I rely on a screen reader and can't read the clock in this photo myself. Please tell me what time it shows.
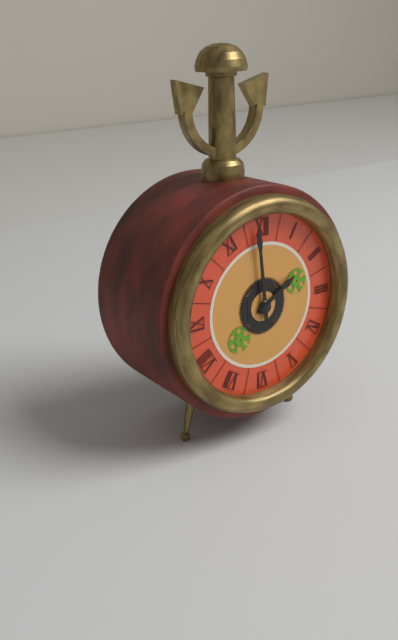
1:59
